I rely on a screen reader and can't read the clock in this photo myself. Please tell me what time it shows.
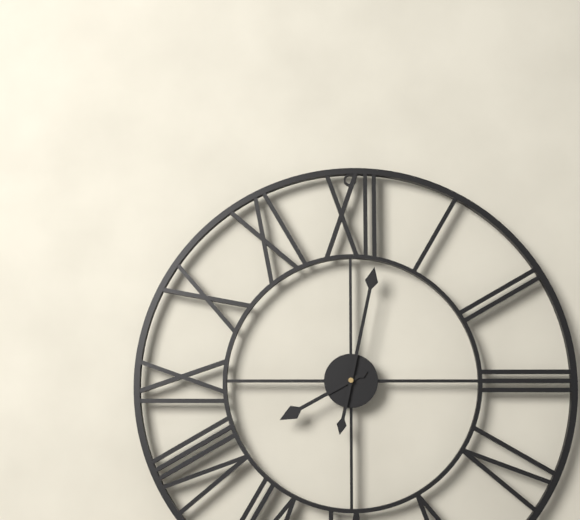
8:02
